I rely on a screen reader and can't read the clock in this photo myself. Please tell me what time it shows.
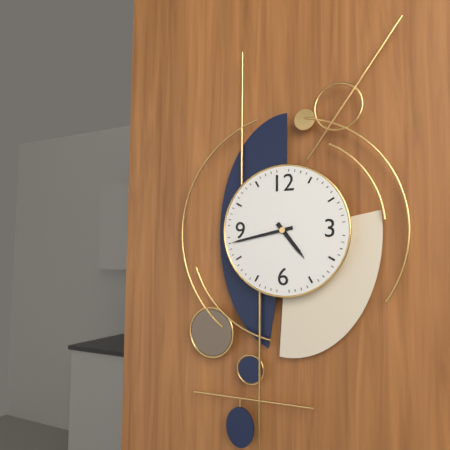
4:43
